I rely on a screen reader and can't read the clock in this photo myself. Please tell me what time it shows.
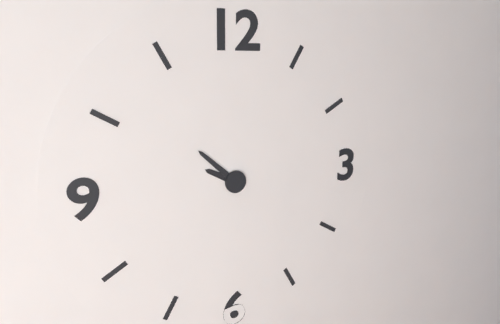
9:52
